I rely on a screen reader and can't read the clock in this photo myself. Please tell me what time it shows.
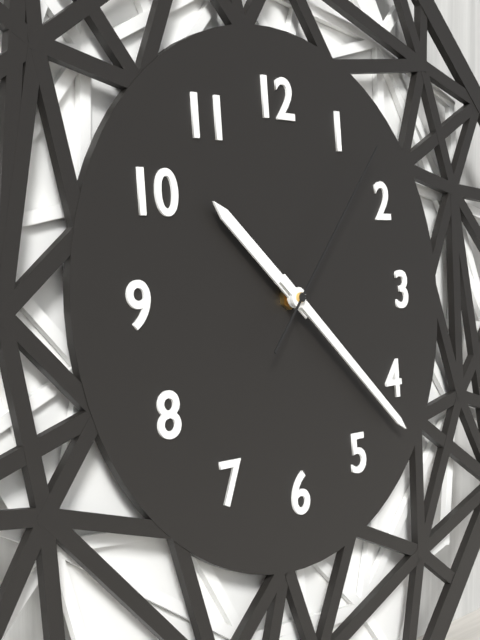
10:22:07
